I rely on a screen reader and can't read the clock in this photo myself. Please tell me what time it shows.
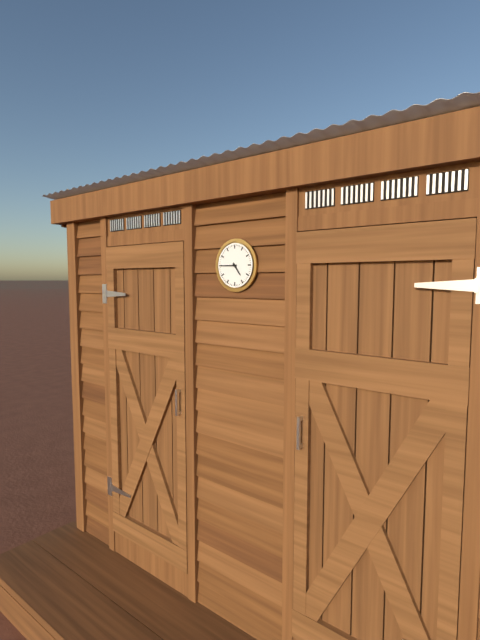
4:45
